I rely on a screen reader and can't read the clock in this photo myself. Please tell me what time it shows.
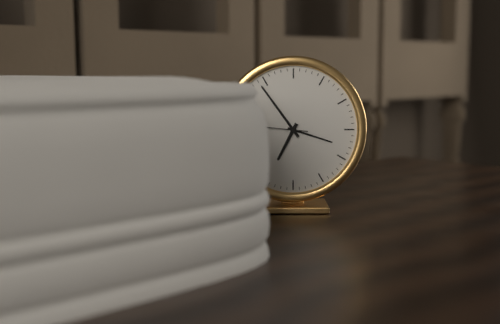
6:54
